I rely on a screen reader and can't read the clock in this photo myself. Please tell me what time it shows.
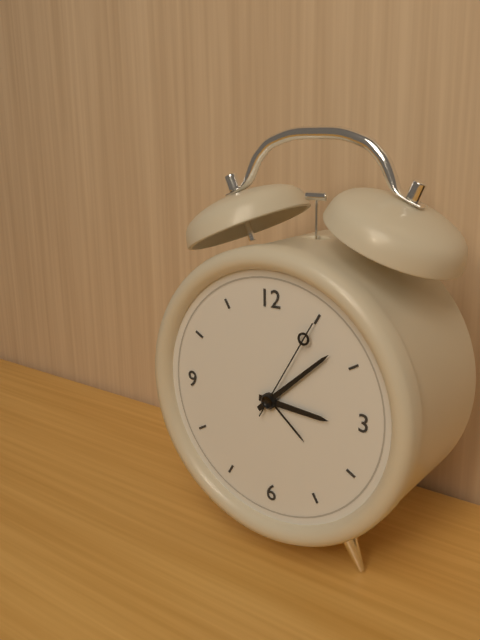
3:08:05
